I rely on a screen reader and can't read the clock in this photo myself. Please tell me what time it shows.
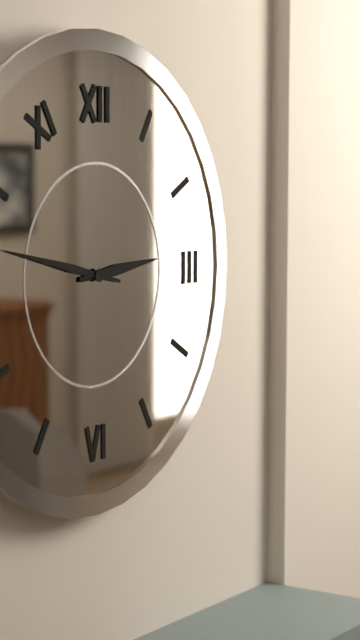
2:47
